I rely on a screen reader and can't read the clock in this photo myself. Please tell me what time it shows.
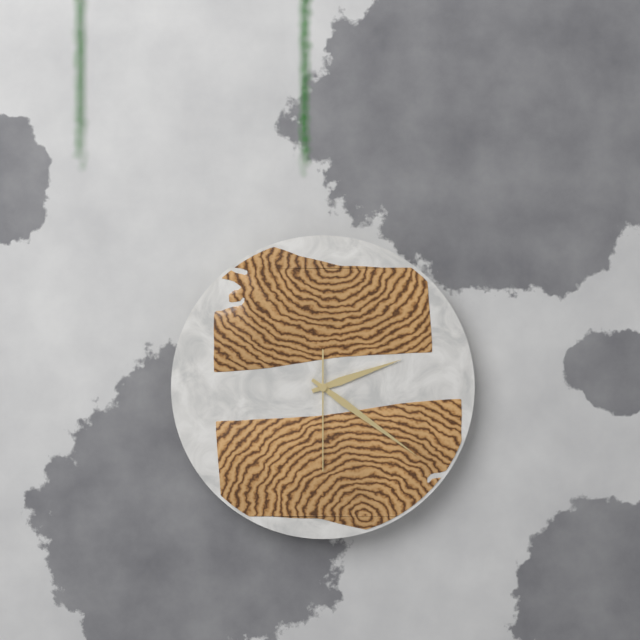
2:21:30
